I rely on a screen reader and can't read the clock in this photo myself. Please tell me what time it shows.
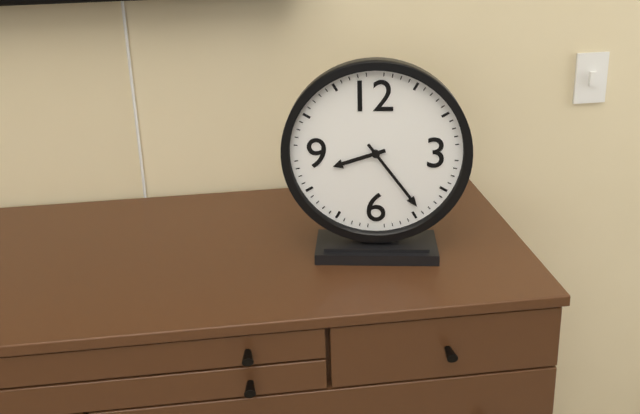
8:24
